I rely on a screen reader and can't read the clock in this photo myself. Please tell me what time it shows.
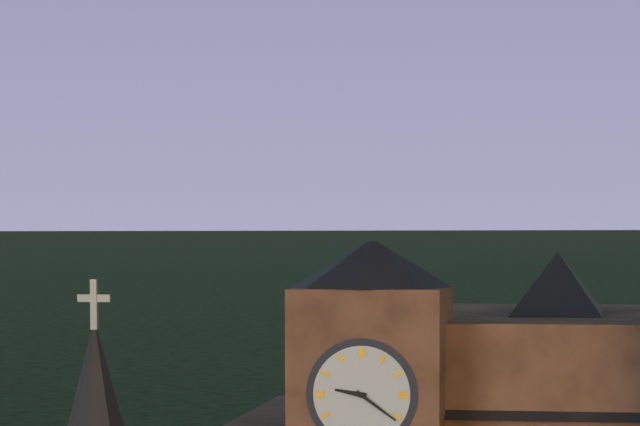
9:21
